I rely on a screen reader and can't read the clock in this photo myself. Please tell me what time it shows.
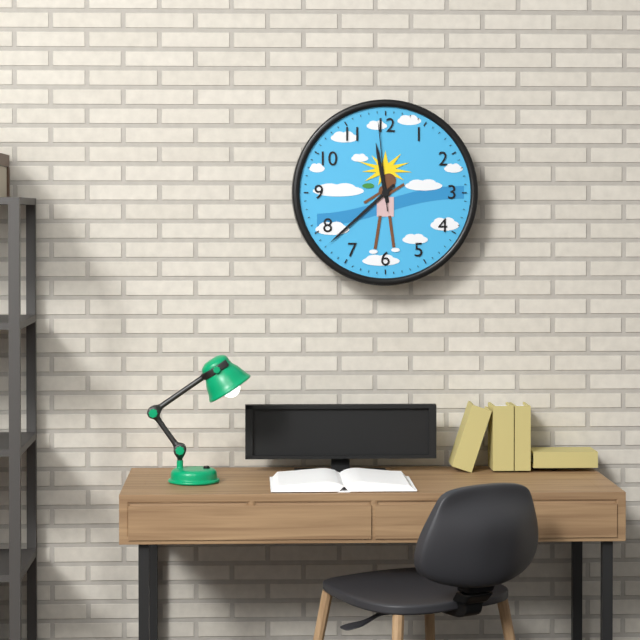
11:38:59
